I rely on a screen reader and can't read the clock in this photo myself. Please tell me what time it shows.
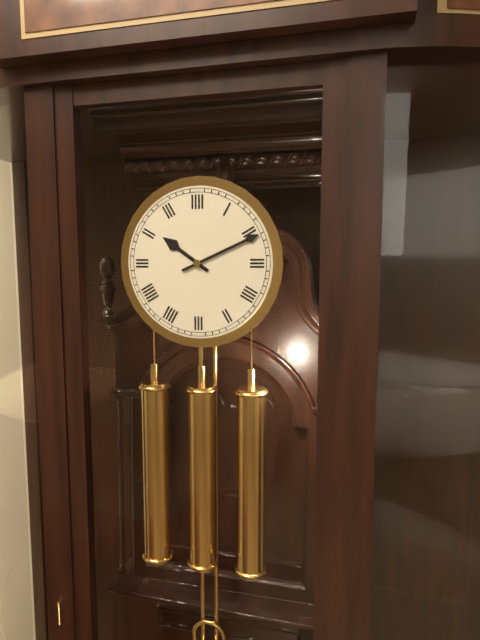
10:11
